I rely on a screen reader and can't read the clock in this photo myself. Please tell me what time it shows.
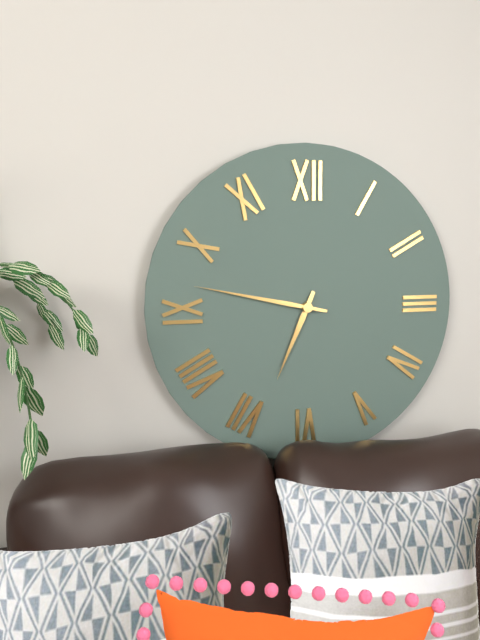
6:47
